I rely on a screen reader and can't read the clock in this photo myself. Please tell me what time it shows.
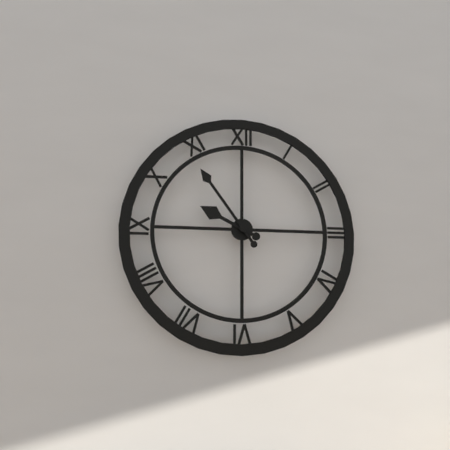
9:54
